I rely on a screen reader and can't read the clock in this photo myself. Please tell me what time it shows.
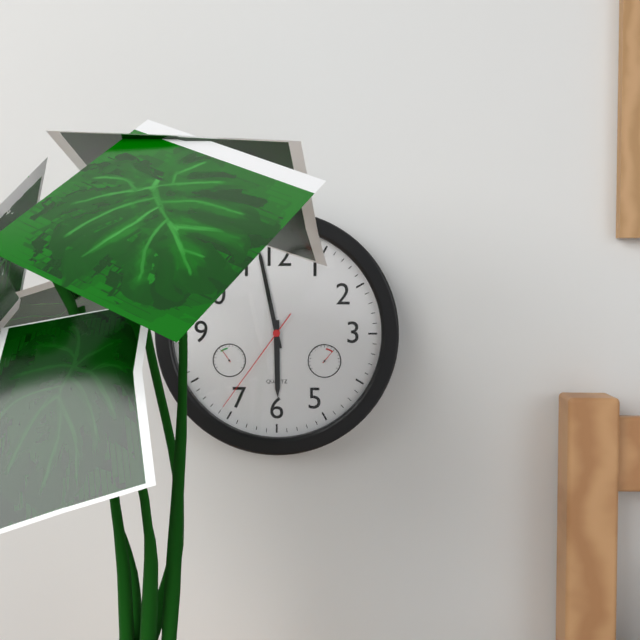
5:58:36
